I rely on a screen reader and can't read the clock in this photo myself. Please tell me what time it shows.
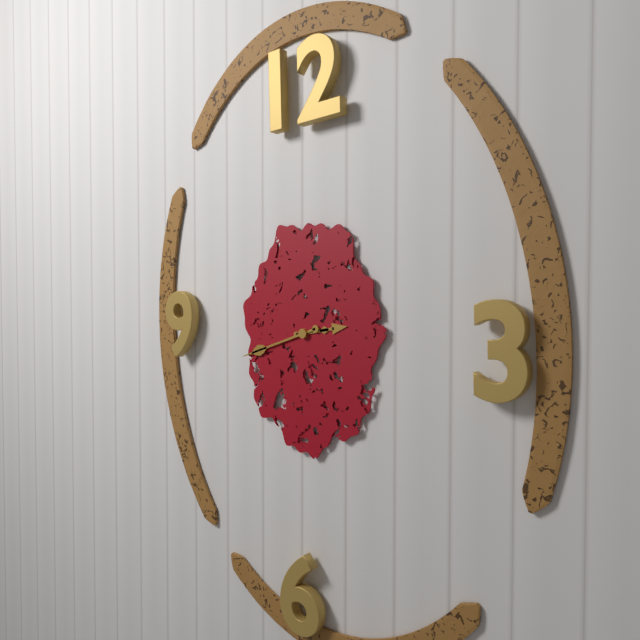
2:42
